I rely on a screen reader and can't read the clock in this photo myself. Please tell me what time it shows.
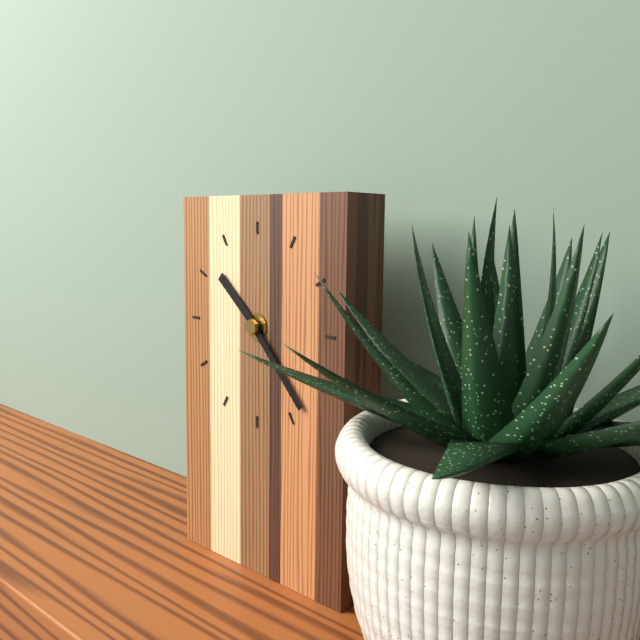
10:23
